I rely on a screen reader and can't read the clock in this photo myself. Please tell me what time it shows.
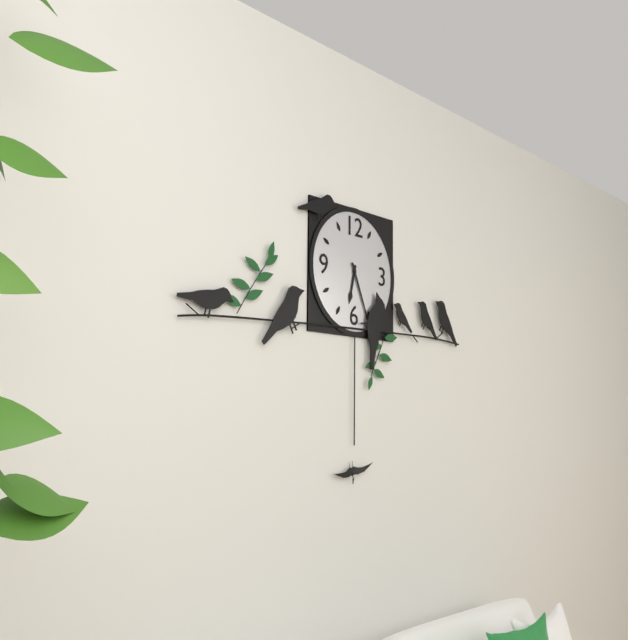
6:26
